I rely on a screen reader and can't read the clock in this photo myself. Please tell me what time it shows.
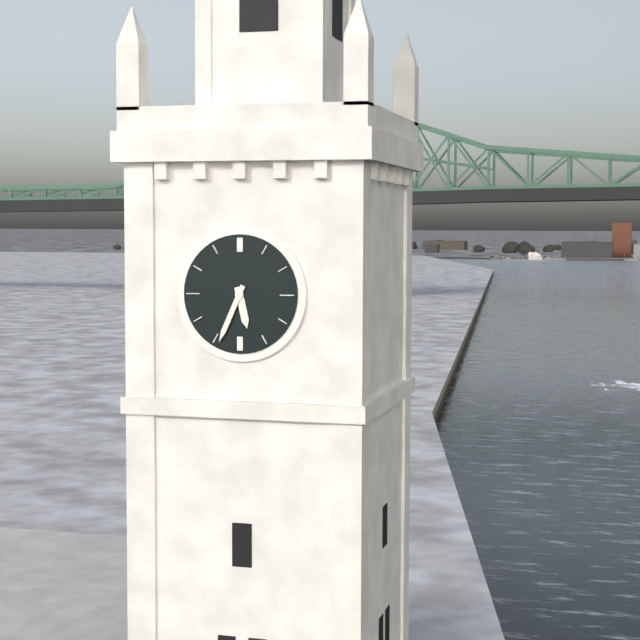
5:34
